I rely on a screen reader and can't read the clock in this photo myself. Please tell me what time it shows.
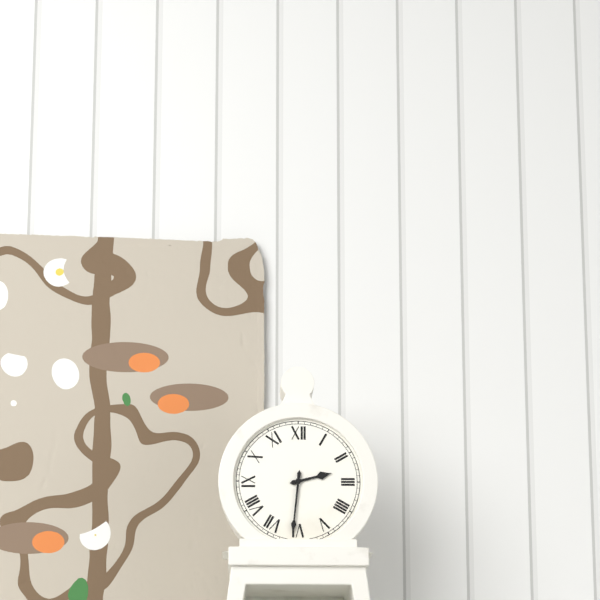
2:31
